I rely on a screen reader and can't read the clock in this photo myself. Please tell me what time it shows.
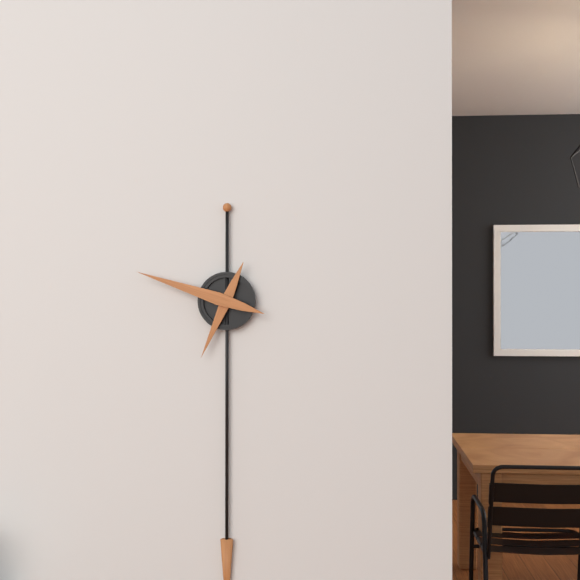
6:48
